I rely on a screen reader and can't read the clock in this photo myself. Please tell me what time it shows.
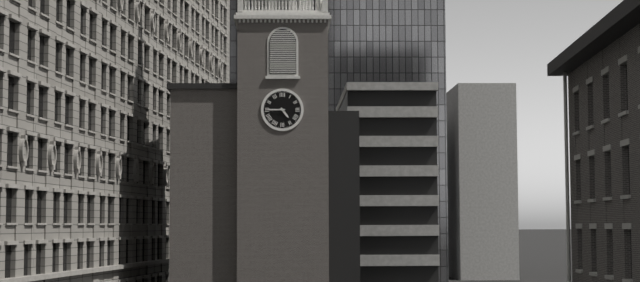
4:45
